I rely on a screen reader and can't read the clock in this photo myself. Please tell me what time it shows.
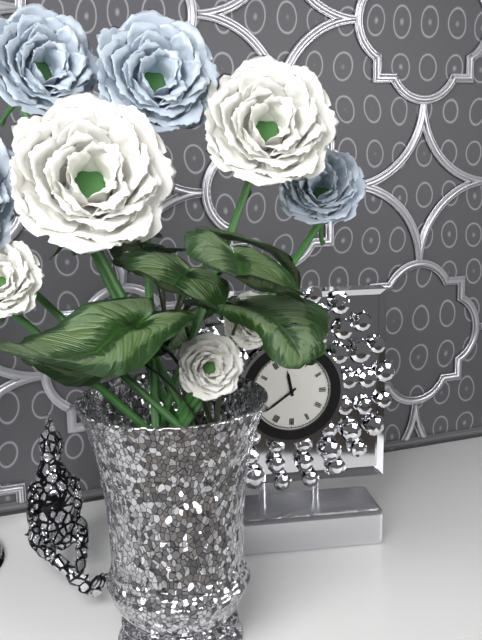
11:39
